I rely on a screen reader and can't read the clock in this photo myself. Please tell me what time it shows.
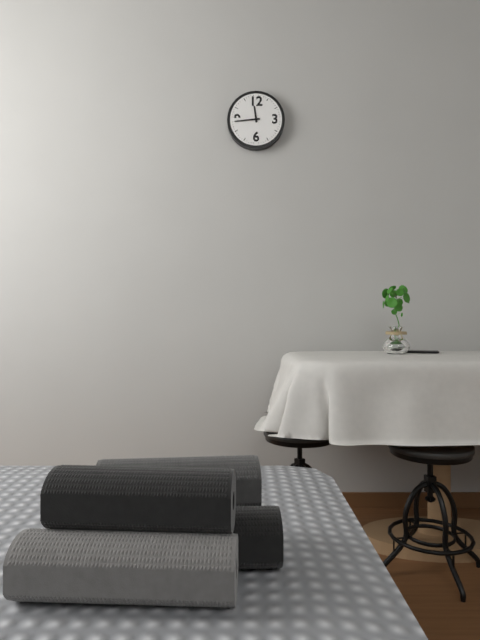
11:44
